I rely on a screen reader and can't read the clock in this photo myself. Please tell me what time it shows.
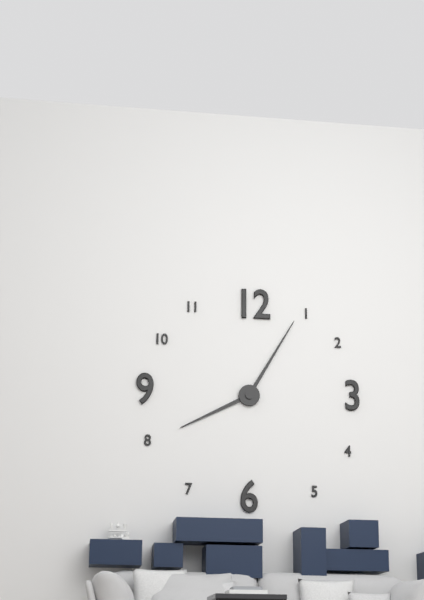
8:05
